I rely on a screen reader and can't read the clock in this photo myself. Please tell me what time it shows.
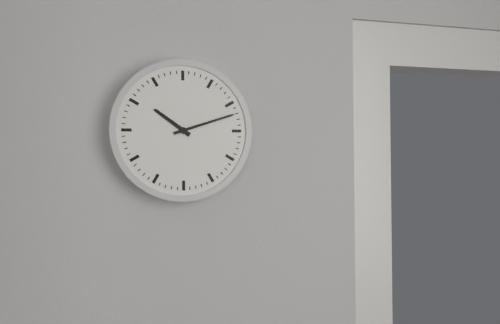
10:12
